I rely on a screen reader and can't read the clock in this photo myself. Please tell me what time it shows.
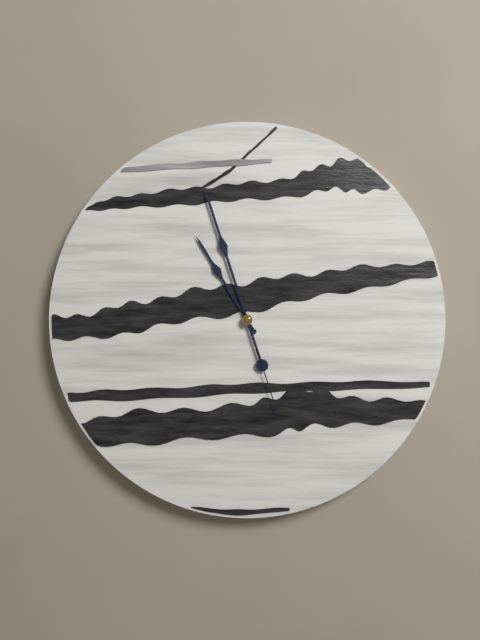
10:57:27
